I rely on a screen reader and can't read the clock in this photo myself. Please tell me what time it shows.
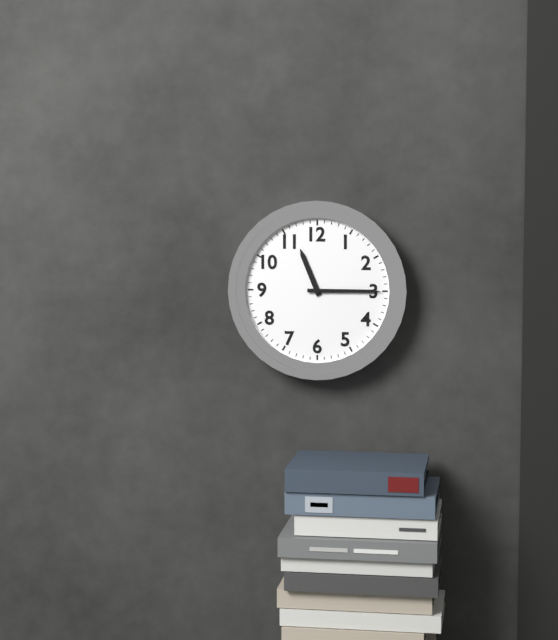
11:15
